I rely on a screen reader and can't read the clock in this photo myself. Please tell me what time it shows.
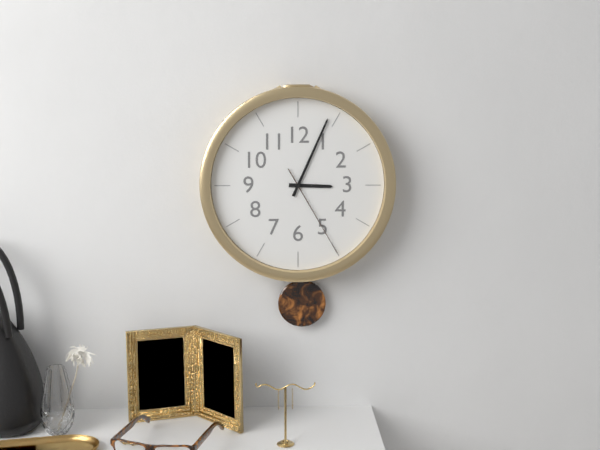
3:04:25
